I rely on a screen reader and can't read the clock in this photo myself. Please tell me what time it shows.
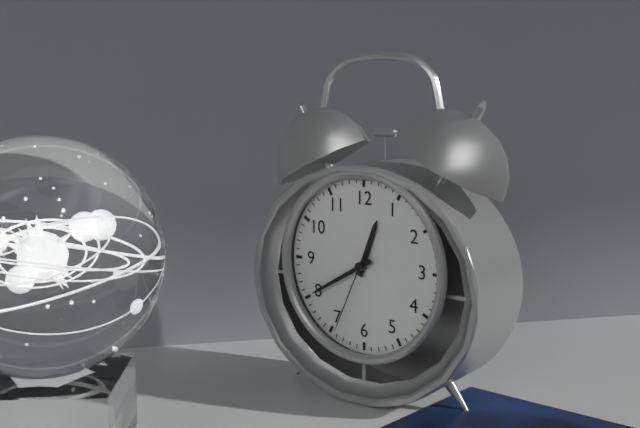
12:40:34
